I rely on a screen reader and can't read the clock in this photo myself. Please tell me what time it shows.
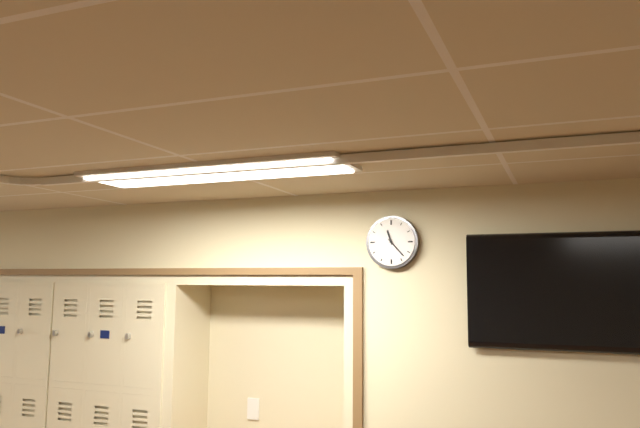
11:23
